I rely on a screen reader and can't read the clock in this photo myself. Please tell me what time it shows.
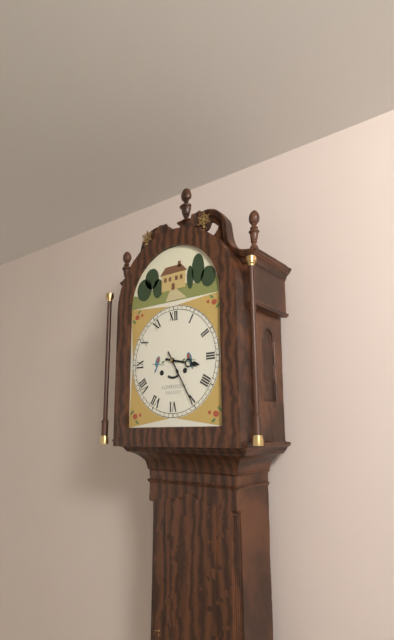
3:25
